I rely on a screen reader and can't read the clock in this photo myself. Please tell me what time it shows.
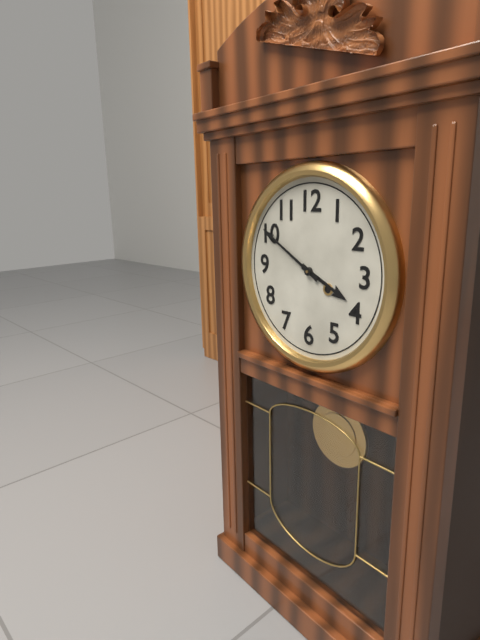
3:50
